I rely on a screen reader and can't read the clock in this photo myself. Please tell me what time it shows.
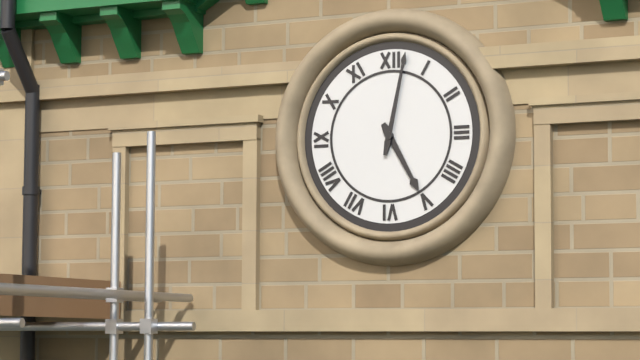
5:02
